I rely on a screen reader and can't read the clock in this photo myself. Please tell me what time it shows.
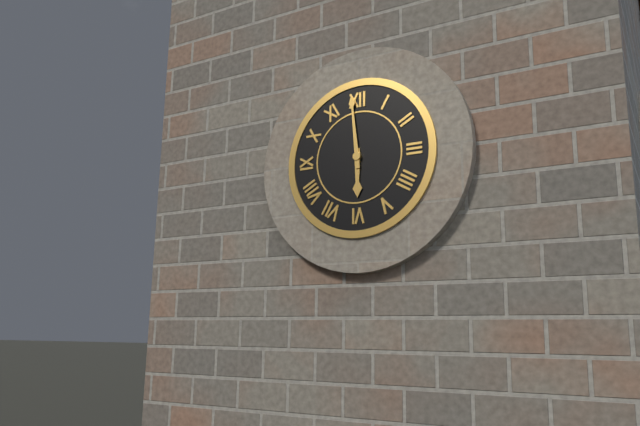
5:59
